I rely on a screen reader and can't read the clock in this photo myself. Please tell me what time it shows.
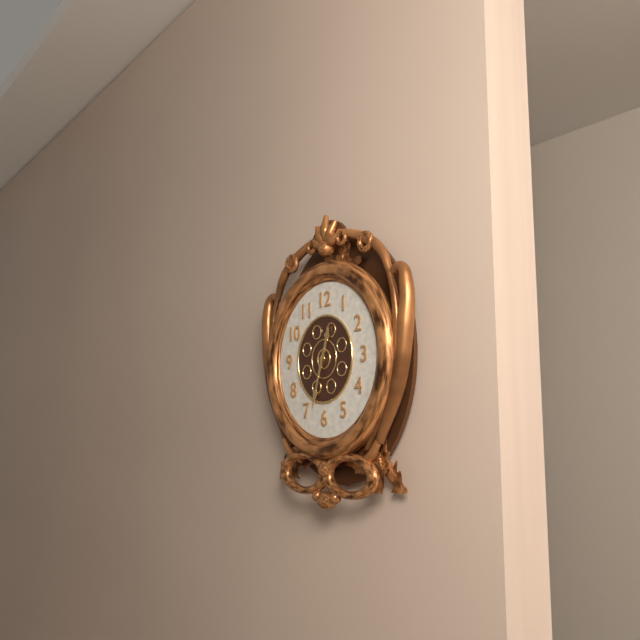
12:33
